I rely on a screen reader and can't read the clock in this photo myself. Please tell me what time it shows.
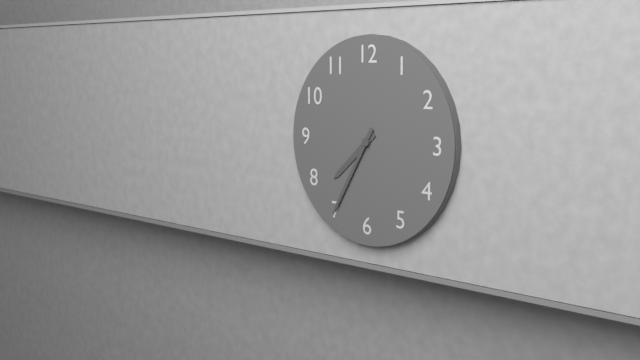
7:35
